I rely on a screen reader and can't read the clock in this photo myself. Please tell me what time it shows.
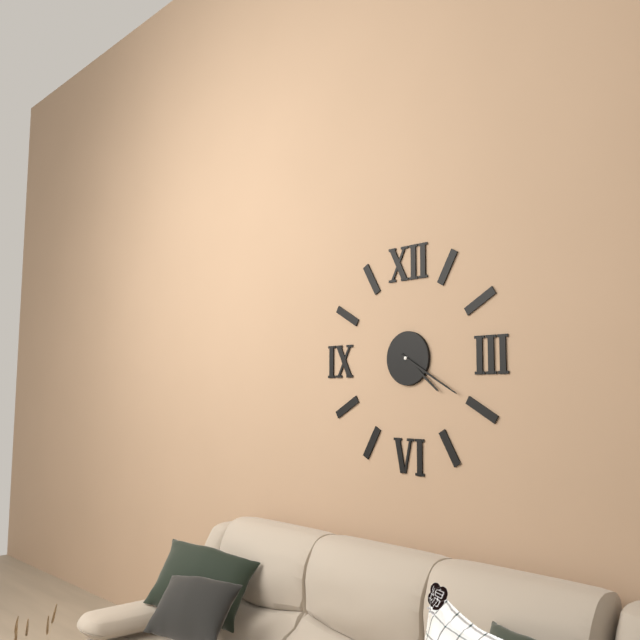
4:20
